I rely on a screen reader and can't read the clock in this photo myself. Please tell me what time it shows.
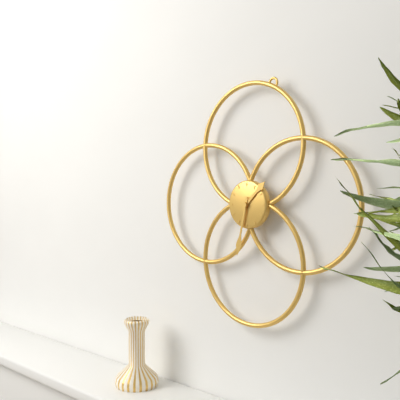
1:32
